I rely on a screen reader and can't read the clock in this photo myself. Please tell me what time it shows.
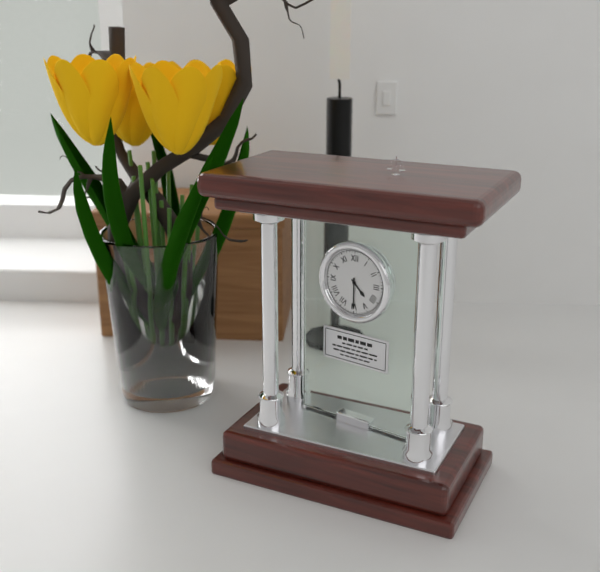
4:30
